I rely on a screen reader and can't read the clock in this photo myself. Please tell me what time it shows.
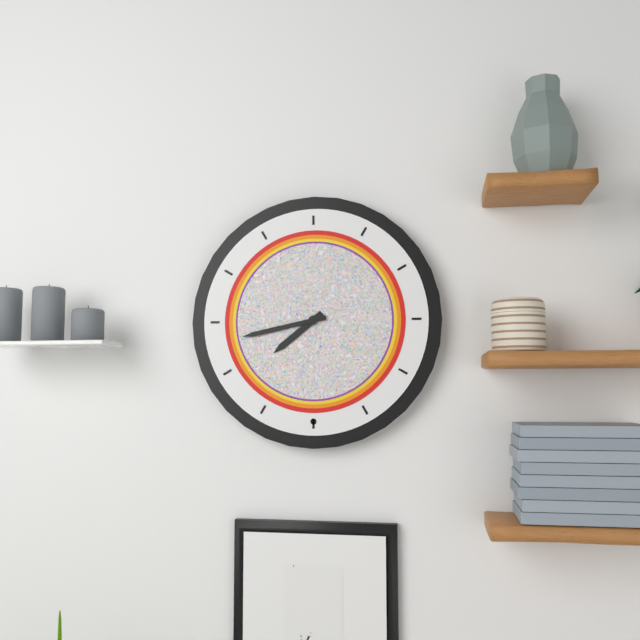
7:43
